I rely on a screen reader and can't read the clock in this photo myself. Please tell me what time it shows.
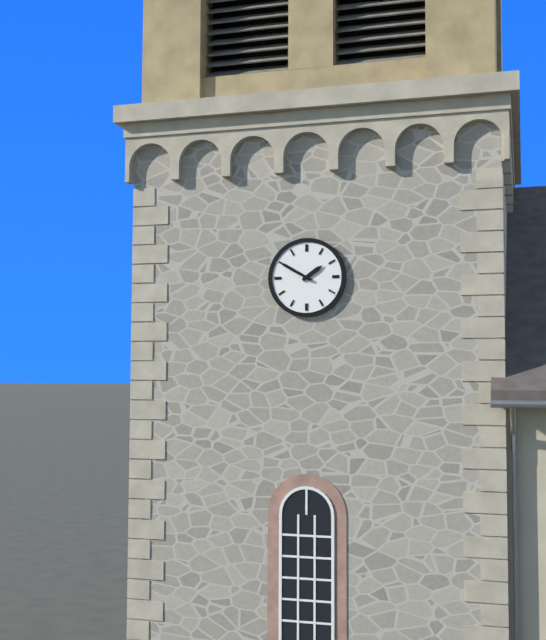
1:50
